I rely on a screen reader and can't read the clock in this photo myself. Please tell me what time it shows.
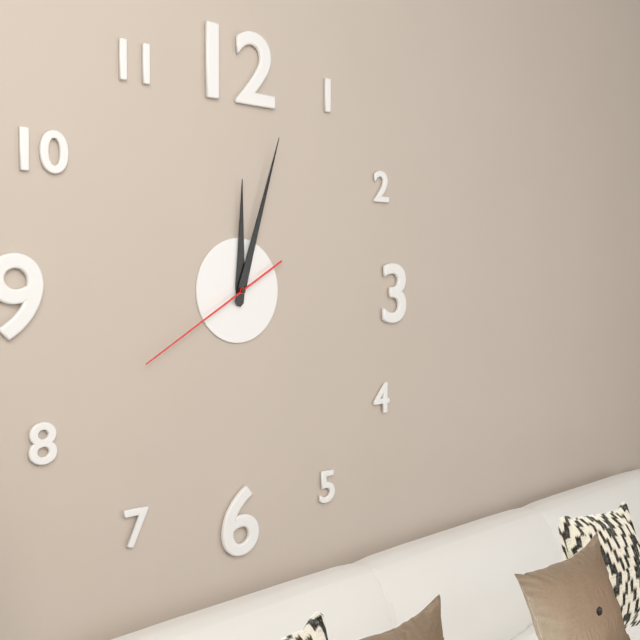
12:03:40
